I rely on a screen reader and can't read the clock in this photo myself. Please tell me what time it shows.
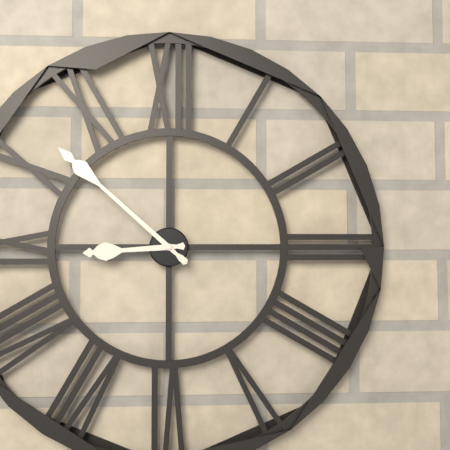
8:52
